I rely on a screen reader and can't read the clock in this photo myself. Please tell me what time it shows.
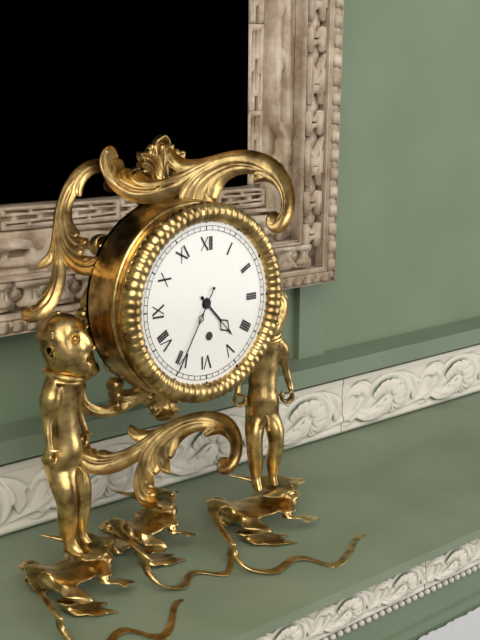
4:35
